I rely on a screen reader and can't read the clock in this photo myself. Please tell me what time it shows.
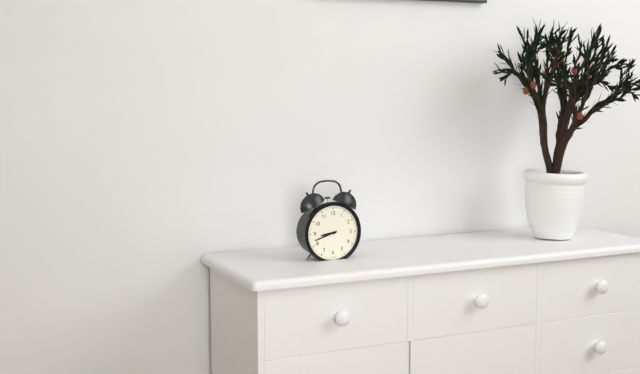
8:42
